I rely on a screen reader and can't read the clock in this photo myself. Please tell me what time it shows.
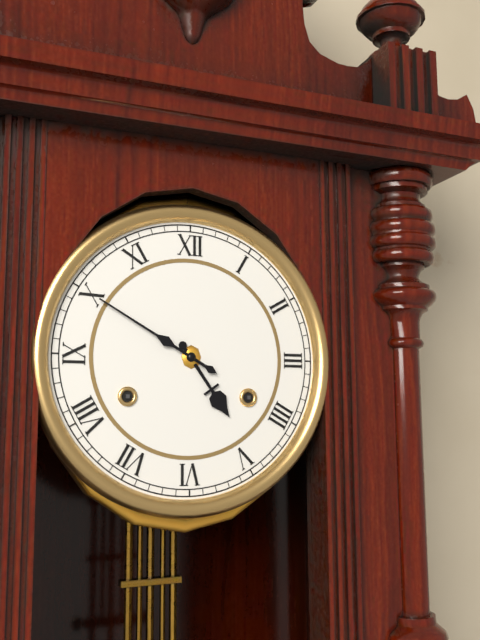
4:50
